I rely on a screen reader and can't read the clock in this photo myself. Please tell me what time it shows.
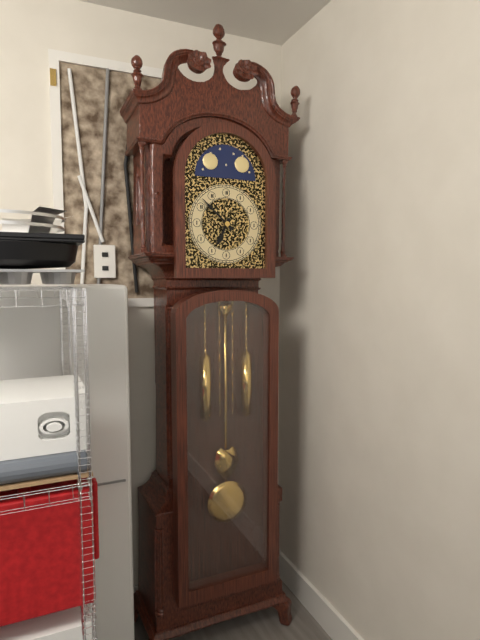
6:52
